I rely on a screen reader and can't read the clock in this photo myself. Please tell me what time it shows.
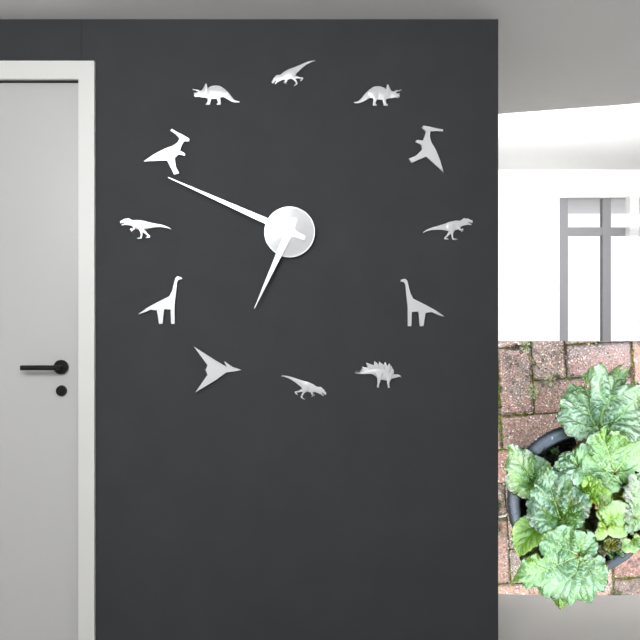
6:49
